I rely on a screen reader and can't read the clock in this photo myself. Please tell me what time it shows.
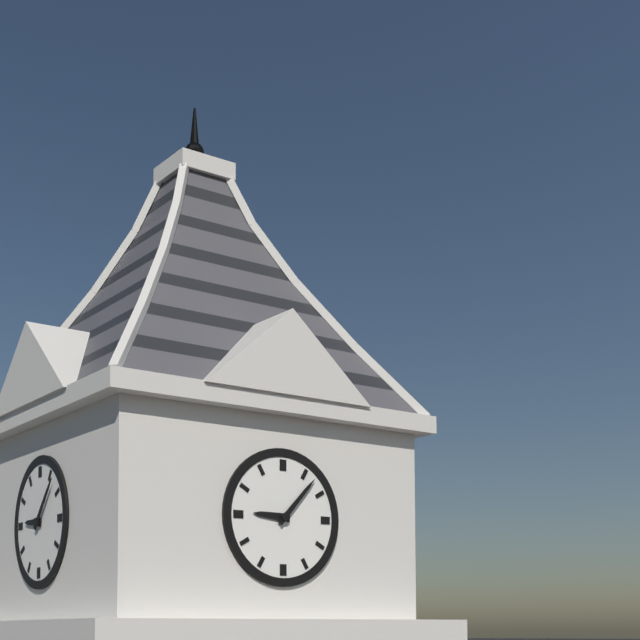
9:07
